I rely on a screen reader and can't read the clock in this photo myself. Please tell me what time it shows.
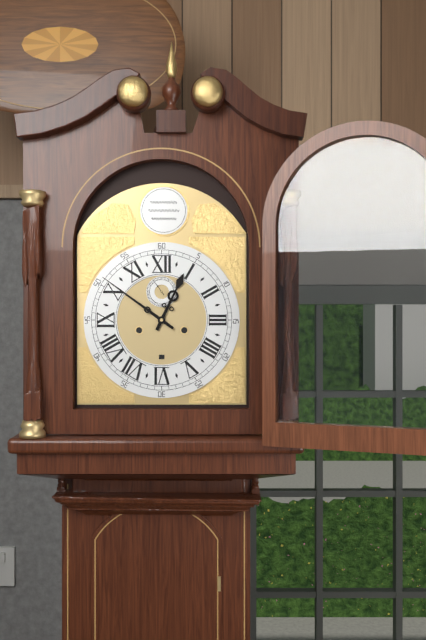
12:51
